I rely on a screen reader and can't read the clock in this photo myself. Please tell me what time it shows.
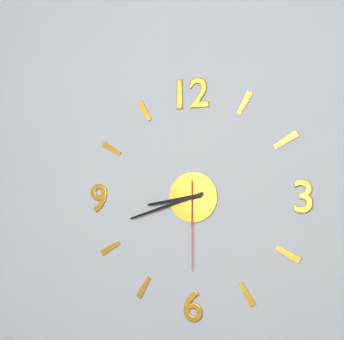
8:42:30
